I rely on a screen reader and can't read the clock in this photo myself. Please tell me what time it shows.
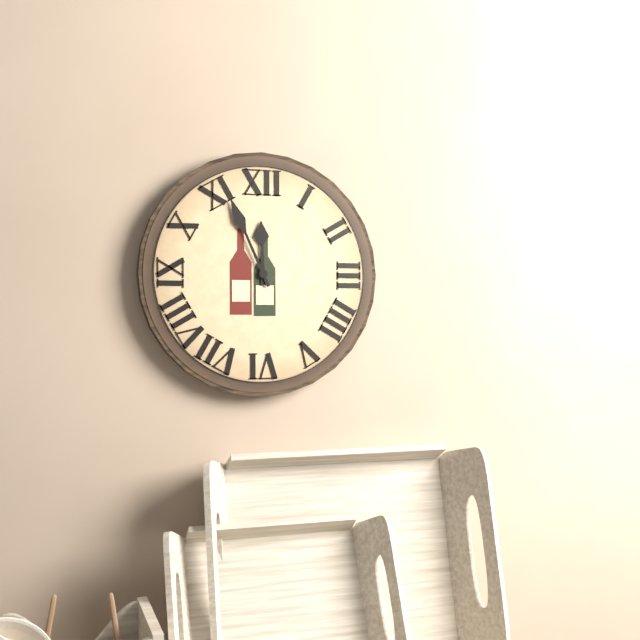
11:56
